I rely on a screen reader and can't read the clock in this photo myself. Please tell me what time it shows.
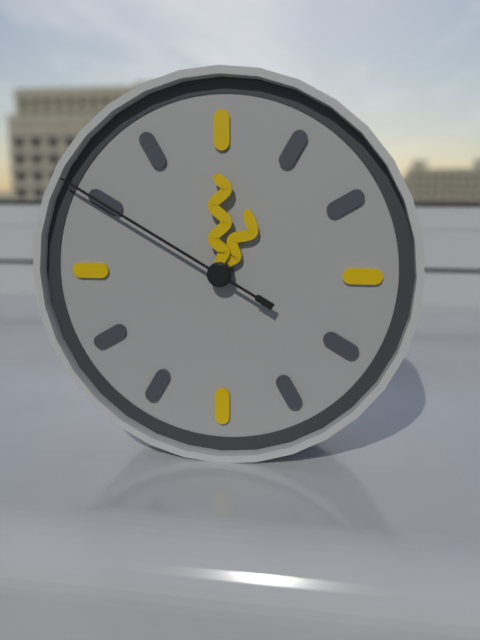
1:00:50
